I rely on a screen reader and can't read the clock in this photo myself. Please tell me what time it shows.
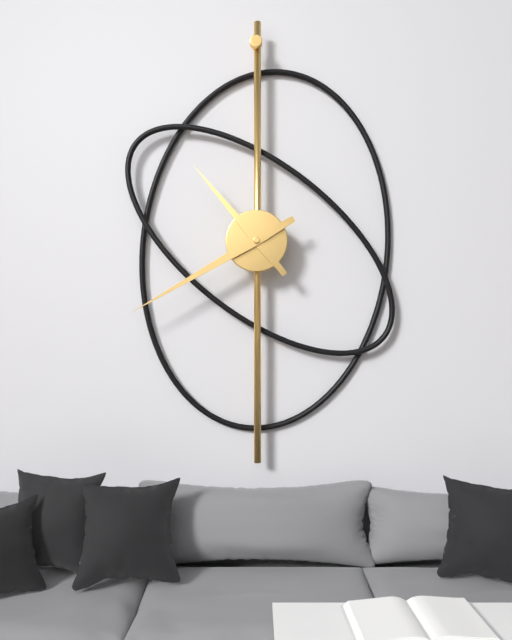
10:40
